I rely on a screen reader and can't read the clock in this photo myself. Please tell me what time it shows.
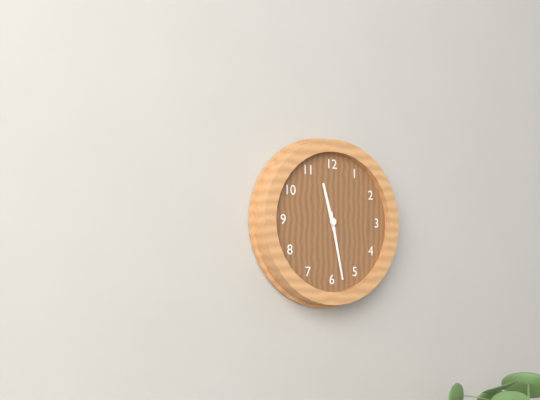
11:28
